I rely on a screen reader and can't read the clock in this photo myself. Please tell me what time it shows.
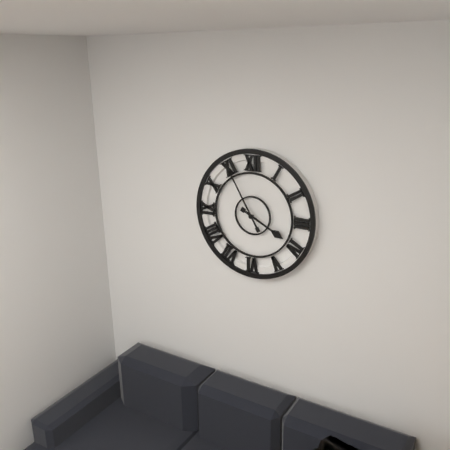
3:55
